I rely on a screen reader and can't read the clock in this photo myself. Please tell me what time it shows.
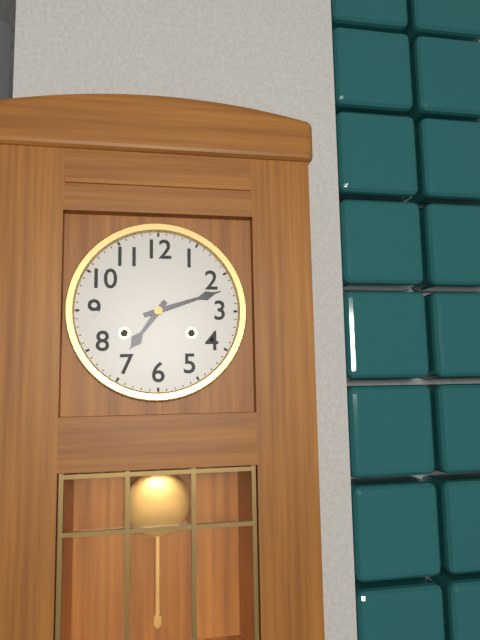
7:12
